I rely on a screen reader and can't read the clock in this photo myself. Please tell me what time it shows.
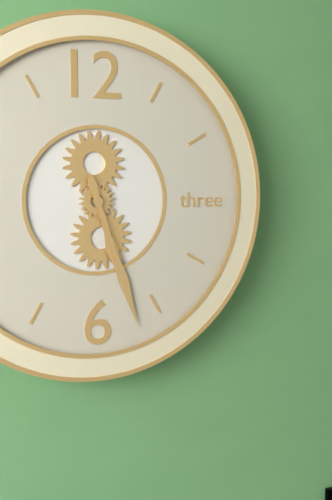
5:27
